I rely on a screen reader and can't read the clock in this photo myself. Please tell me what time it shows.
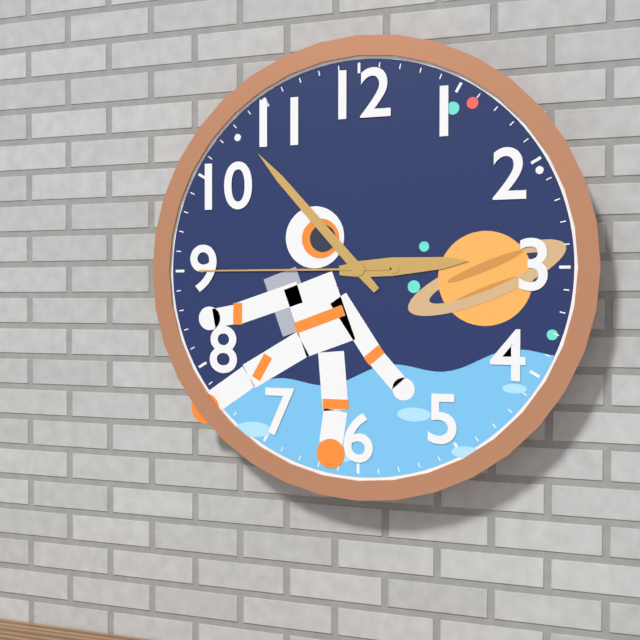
2:53:45
